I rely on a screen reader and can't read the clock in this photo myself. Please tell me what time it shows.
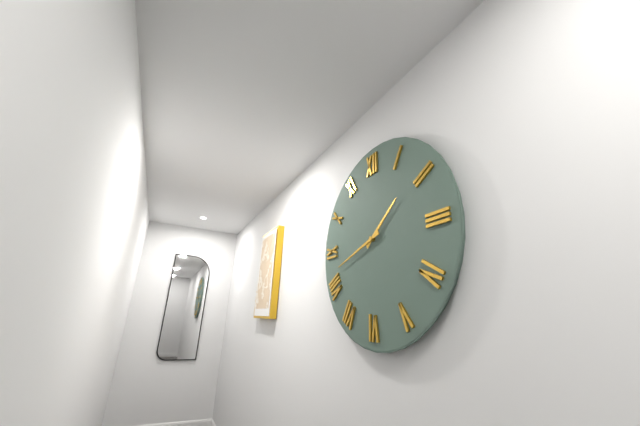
1:42
